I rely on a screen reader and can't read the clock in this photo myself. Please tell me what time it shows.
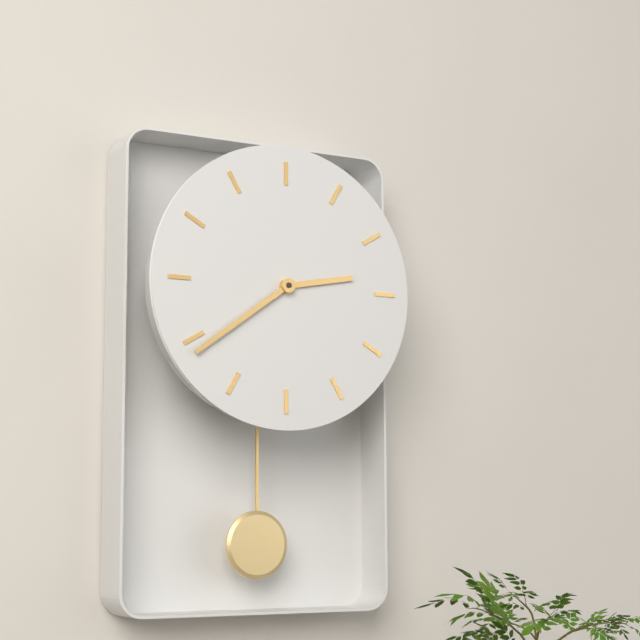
2:39
